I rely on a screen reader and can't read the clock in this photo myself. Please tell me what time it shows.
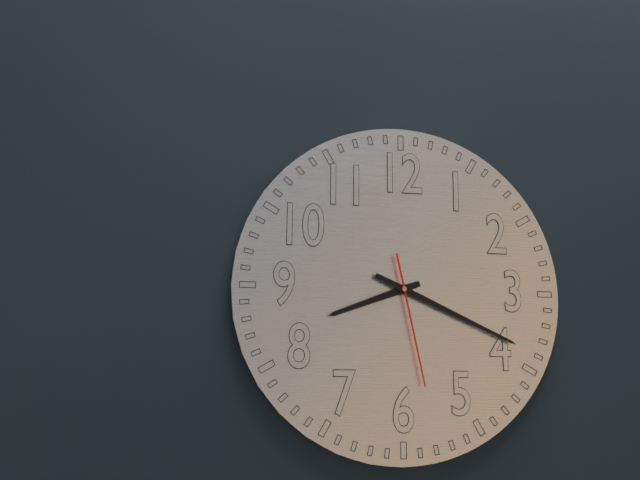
8:19:28
